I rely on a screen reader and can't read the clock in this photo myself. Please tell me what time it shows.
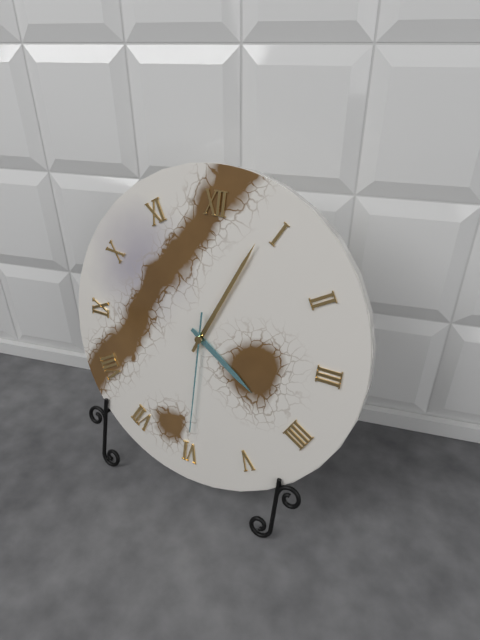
4:04:30
